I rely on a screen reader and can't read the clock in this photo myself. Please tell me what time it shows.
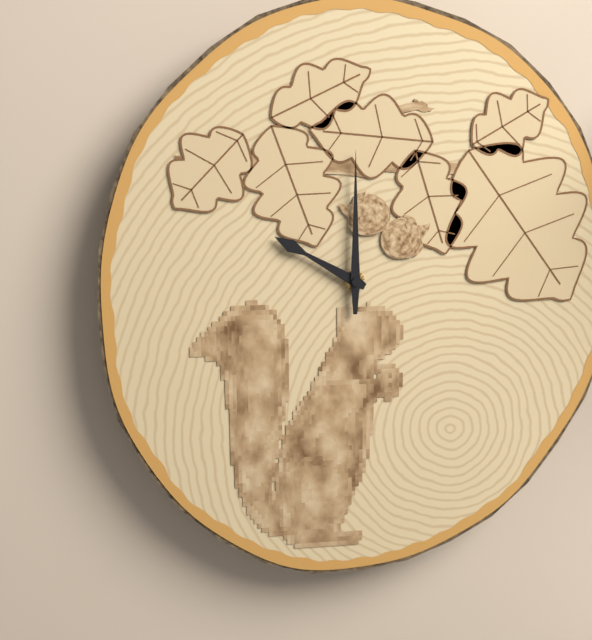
10:00
